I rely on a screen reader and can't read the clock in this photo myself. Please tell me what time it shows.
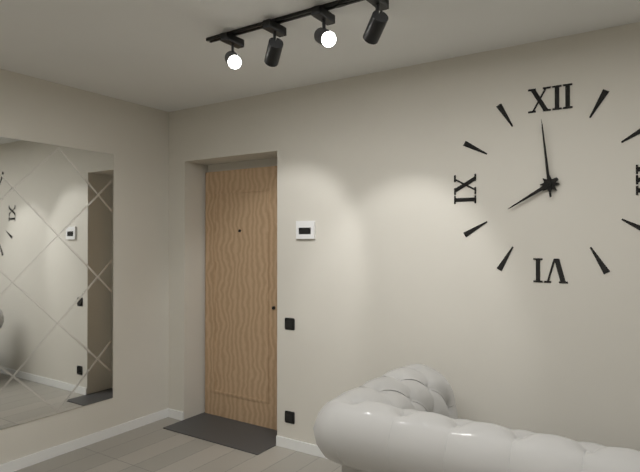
7:59
